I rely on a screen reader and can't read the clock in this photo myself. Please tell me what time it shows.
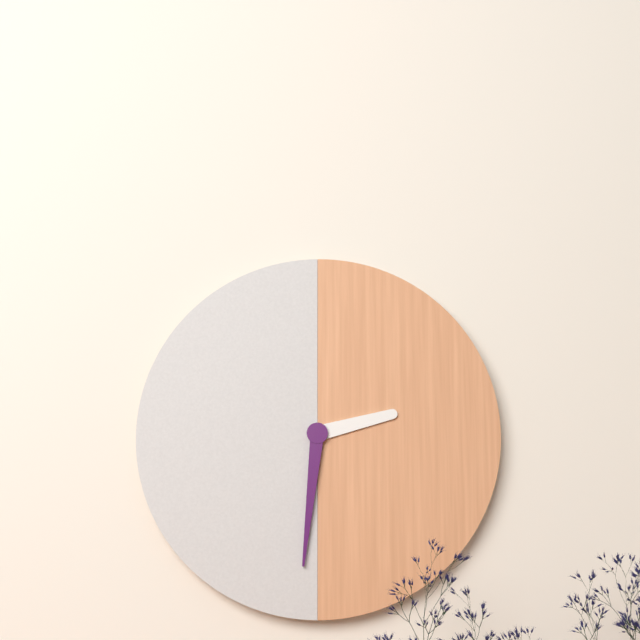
2:31
